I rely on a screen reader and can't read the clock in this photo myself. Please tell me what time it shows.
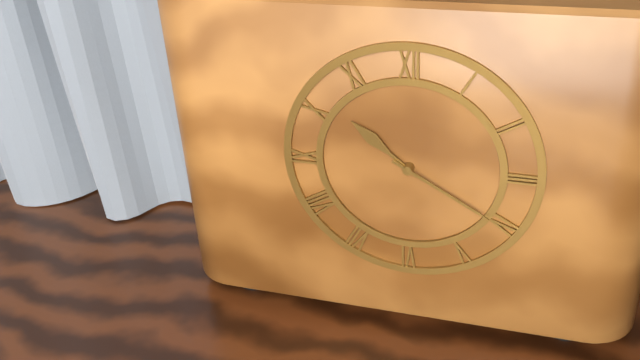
10:20
